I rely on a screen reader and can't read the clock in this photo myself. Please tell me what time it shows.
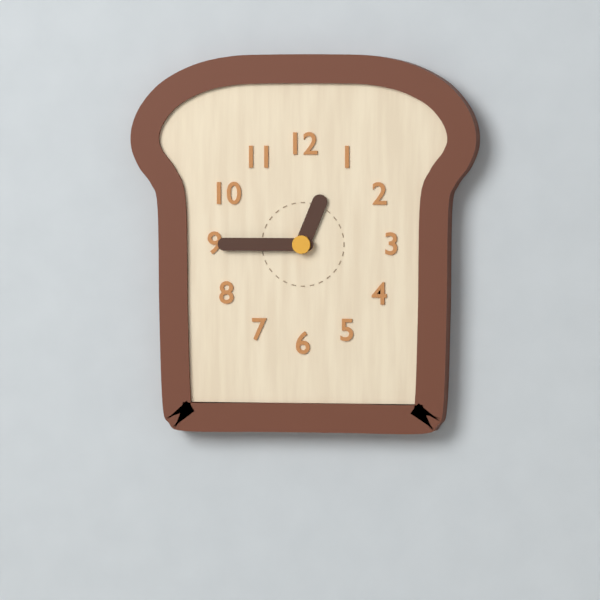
12:45
